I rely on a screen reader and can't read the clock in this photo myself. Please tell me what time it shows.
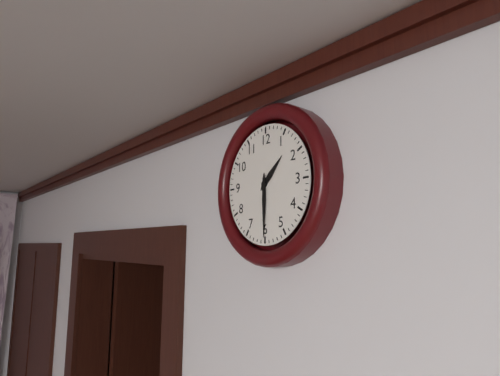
1:30
